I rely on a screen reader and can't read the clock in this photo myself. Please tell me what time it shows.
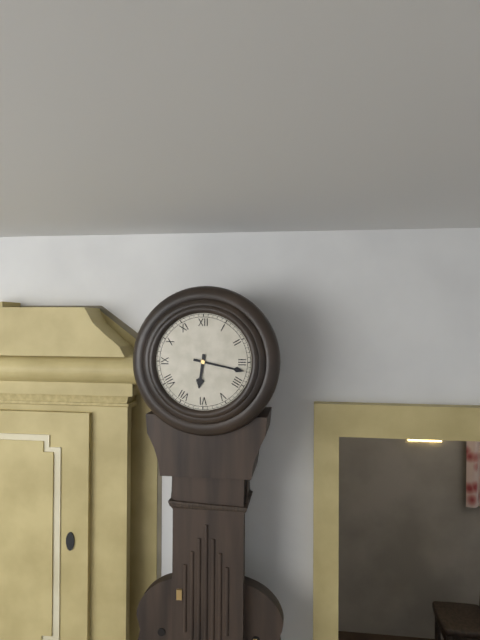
6:17
